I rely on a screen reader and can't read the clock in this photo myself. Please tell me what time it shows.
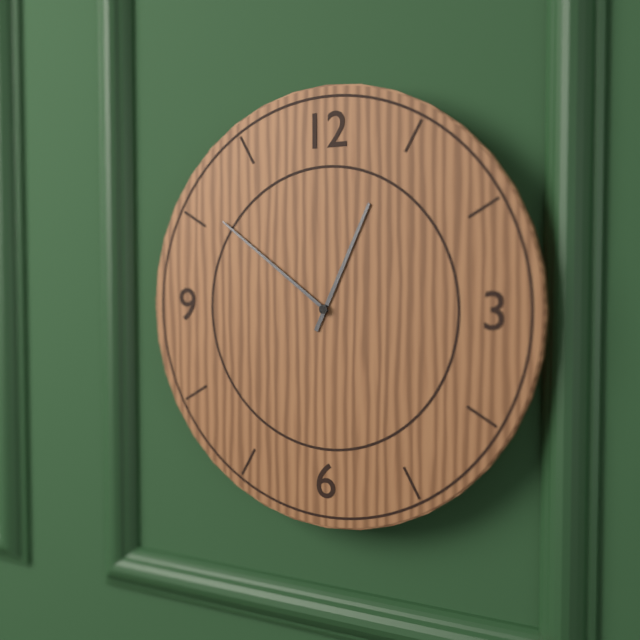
12:51
